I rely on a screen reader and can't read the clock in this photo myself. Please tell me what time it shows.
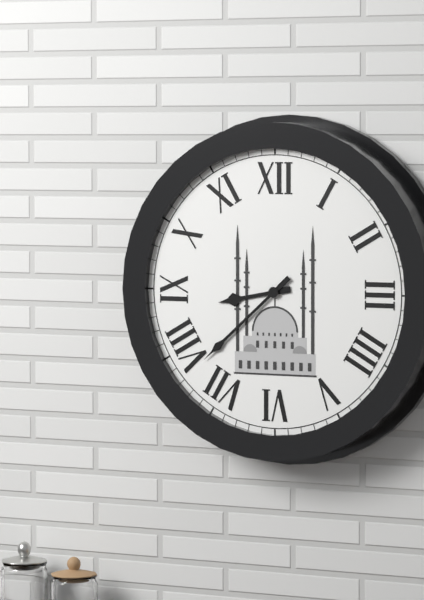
8:38
